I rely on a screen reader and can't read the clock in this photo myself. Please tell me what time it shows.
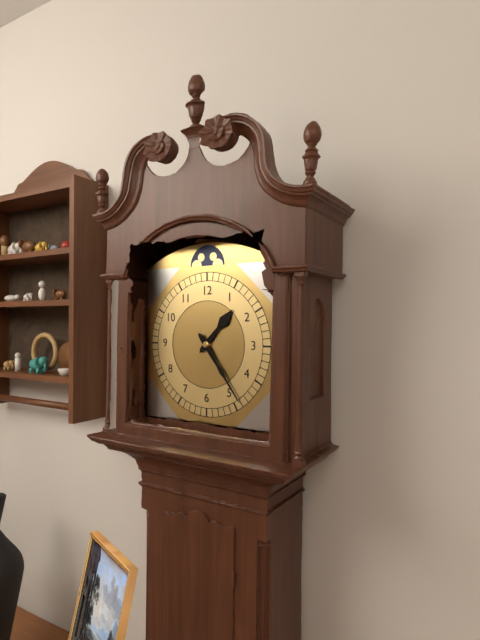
1:24
